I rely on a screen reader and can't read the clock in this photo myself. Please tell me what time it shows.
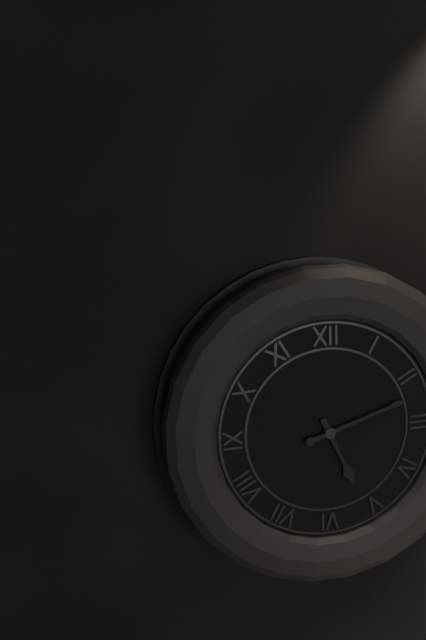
5:12
